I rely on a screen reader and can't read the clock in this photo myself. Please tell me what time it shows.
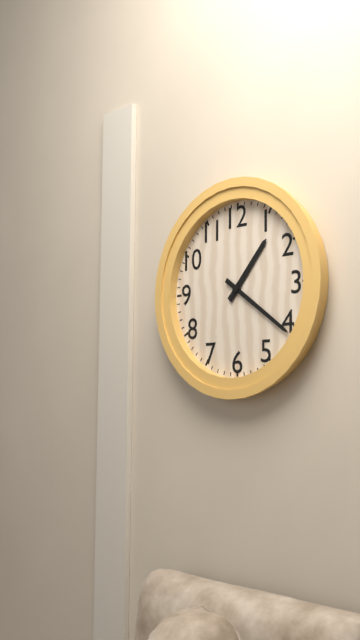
1:21
